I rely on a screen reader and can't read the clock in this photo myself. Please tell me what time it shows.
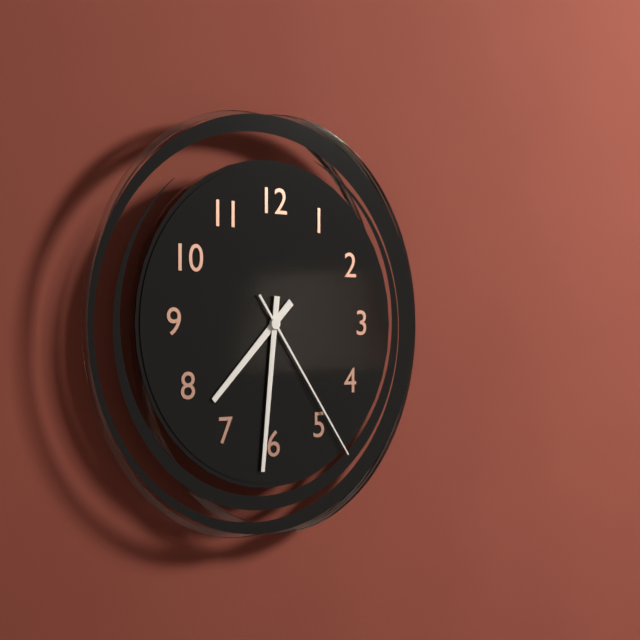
7:31:24
